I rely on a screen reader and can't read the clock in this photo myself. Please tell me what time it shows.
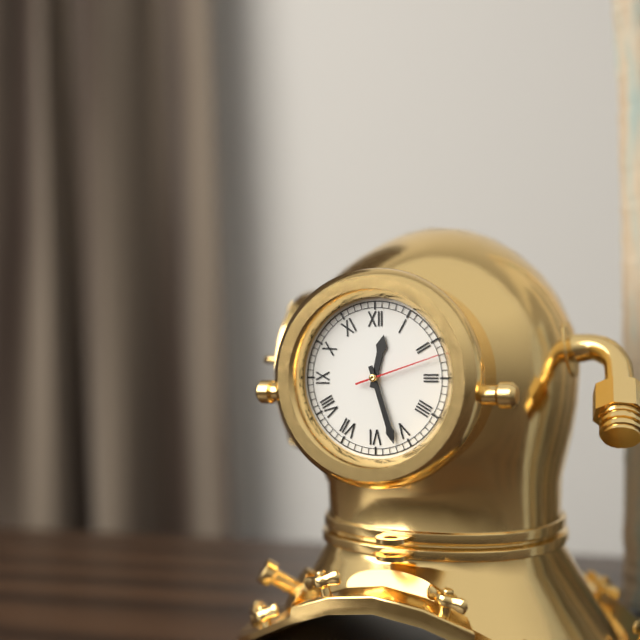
12:27:12
